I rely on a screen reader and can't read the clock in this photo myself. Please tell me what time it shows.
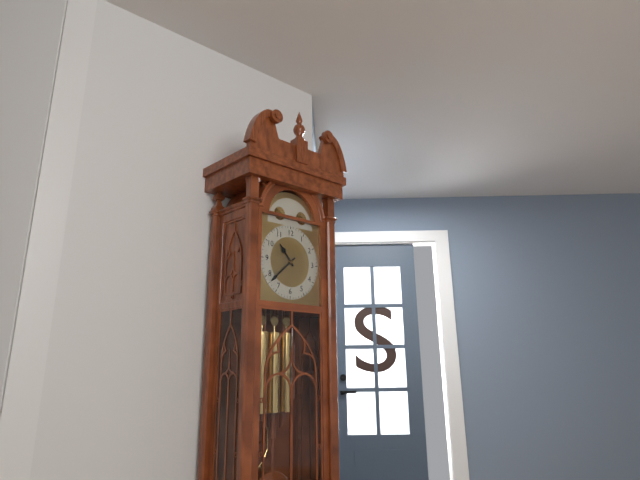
10:38
